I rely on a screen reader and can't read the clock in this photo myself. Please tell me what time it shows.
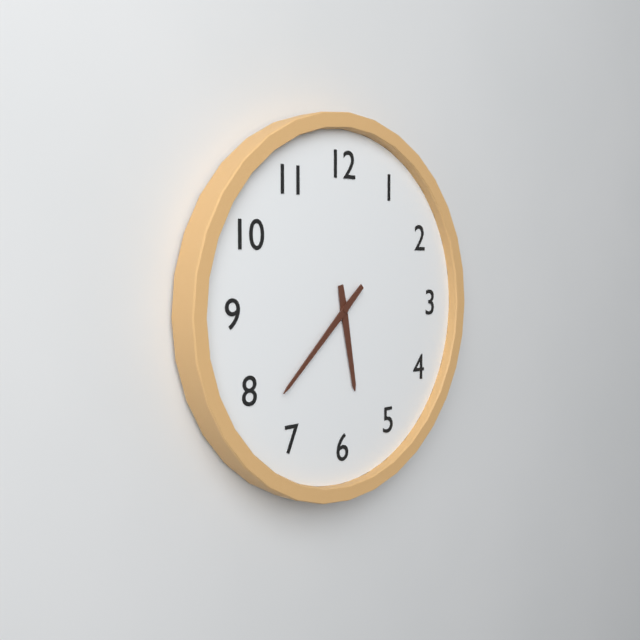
5:38
